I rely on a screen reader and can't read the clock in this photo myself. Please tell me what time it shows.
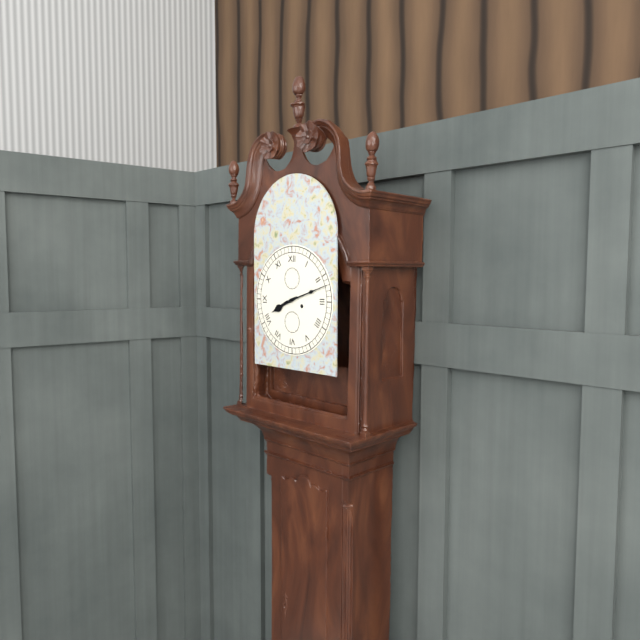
8:12
